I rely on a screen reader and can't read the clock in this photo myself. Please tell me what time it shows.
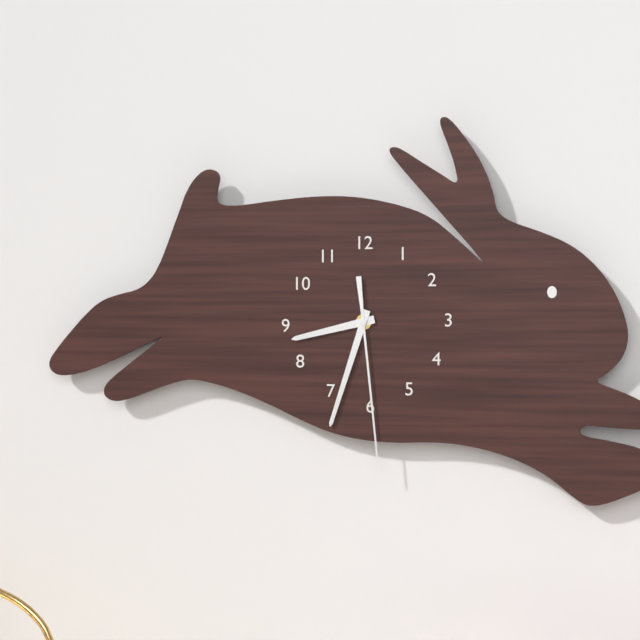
8:33:29
